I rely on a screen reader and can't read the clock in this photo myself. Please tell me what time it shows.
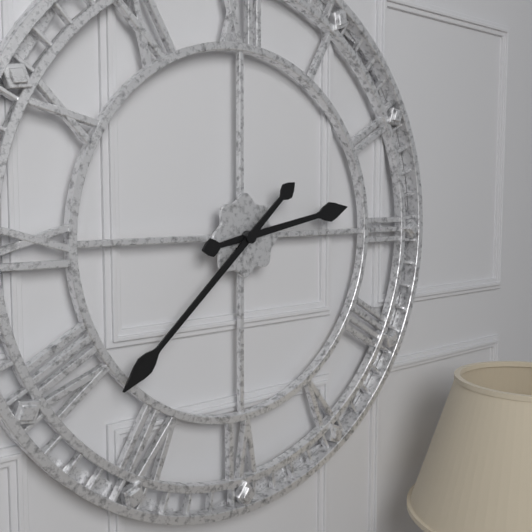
2:38
